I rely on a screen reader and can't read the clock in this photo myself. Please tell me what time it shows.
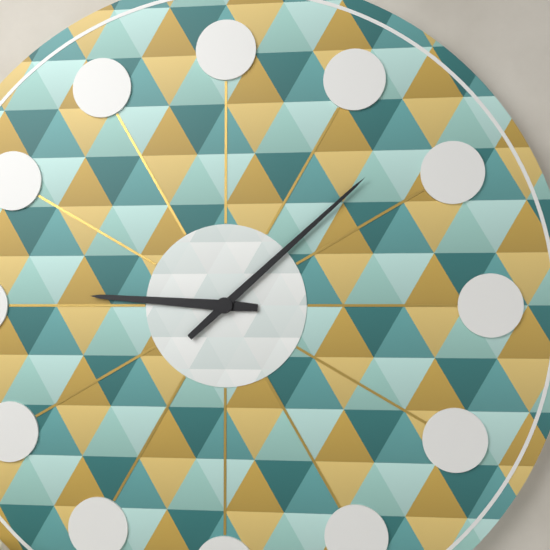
9:08
